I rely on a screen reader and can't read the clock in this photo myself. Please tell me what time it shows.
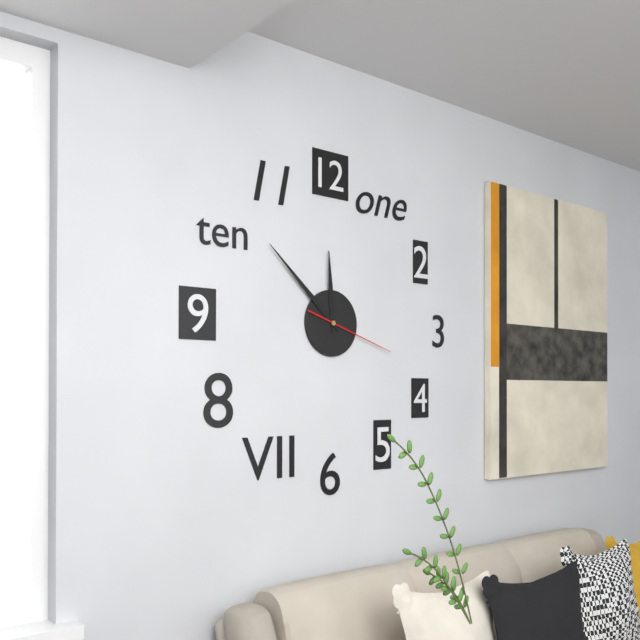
11:52:18
